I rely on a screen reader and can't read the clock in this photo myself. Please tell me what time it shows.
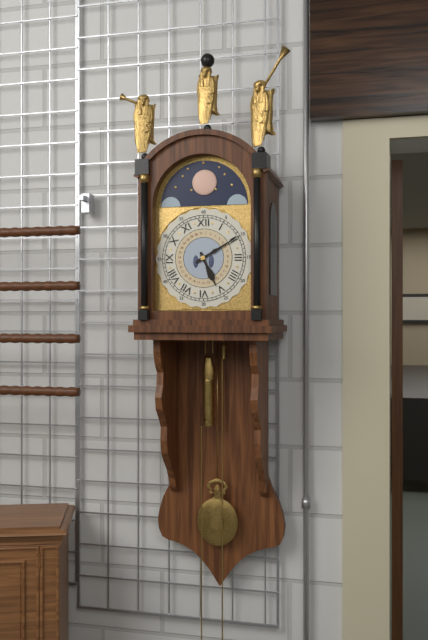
5:10
